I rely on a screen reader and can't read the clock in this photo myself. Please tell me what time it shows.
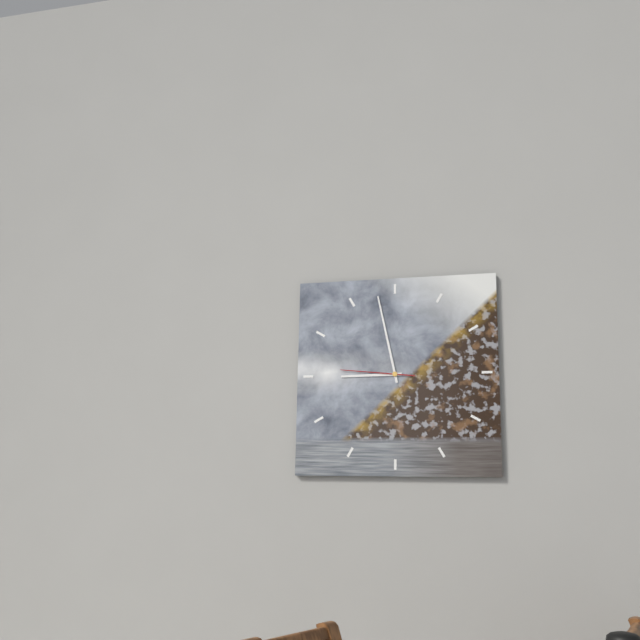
8:58:46
